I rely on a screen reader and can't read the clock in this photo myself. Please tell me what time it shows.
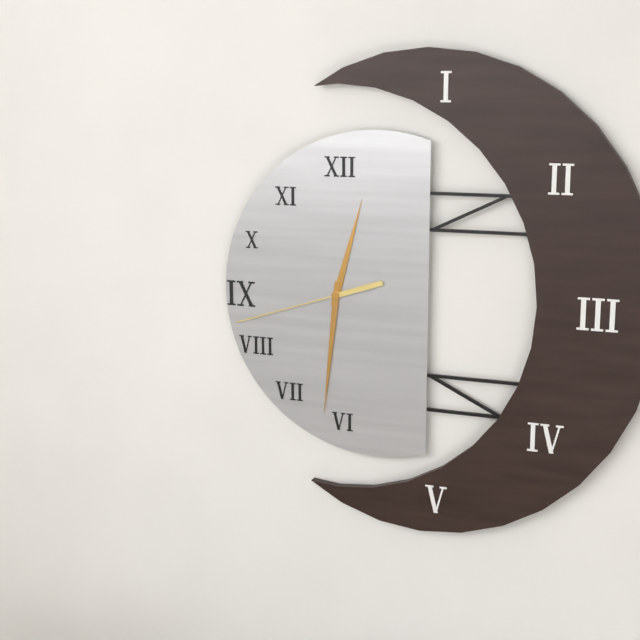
12:31:42
